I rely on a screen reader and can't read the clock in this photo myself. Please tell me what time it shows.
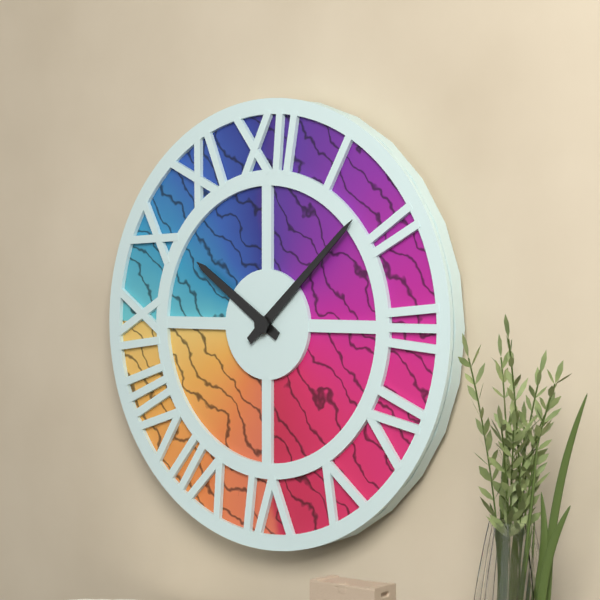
10:08
